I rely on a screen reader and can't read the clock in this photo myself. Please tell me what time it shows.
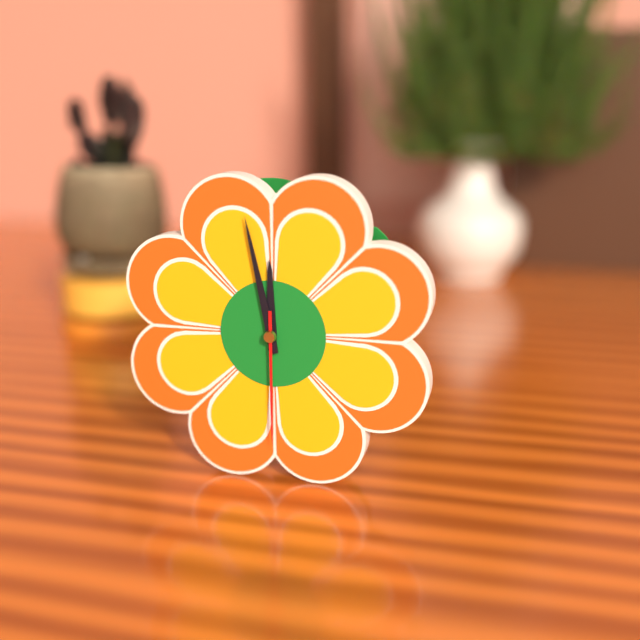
11:58:30
